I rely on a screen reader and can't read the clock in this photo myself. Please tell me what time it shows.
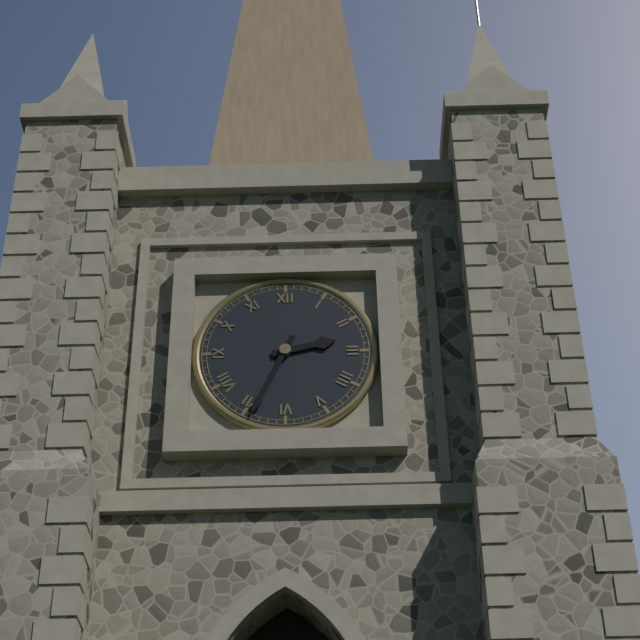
2:34
